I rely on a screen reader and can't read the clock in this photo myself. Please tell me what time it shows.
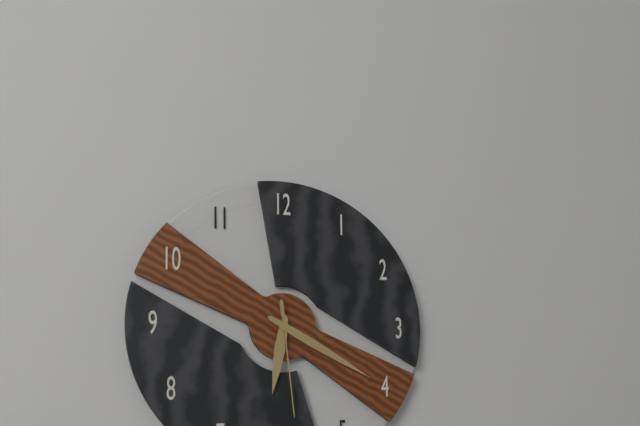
6:20:29
